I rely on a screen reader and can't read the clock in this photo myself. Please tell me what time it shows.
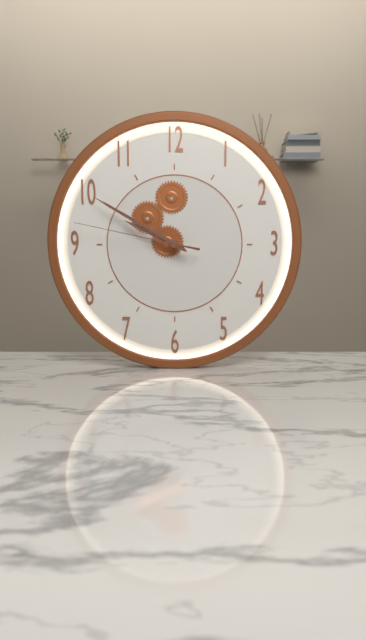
9:50:47
